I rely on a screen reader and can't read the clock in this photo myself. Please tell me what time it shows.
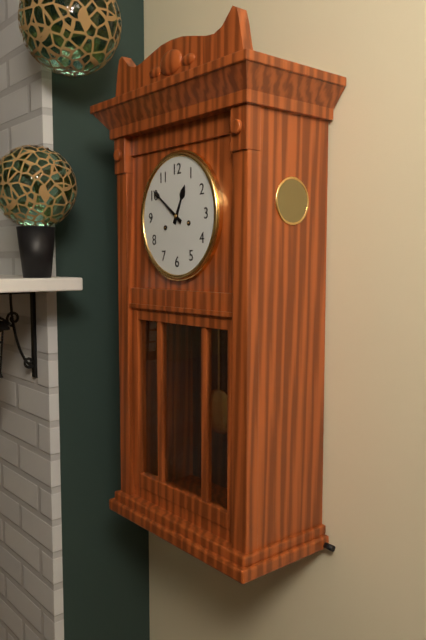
12:51
